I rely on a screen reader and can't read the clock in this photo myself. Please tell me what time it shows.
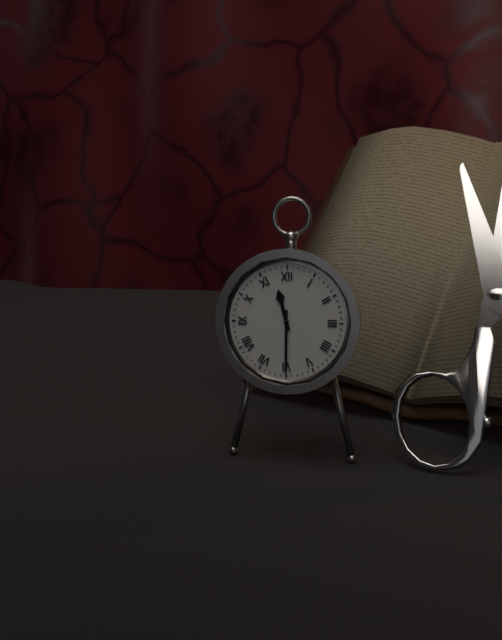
11:30
